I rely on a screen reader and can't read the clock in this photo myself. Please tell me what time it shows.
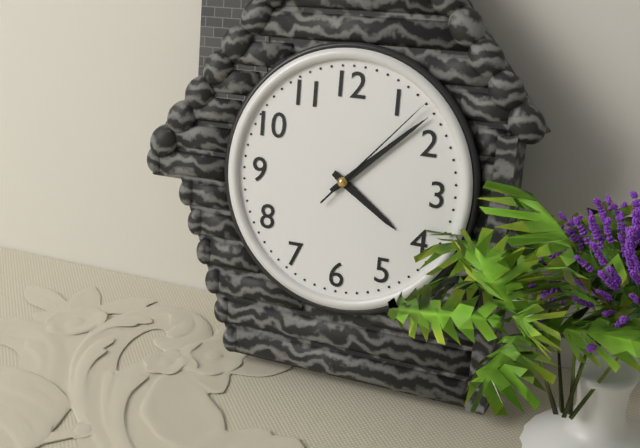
4:08:07
